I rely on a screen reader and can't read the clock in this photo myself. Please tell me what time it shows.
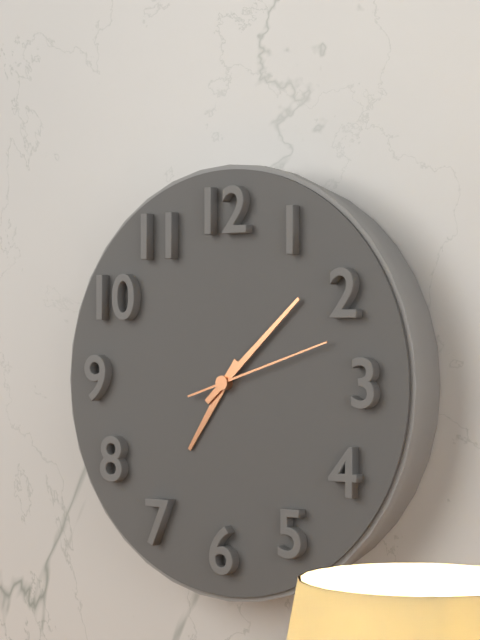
7:08:12
